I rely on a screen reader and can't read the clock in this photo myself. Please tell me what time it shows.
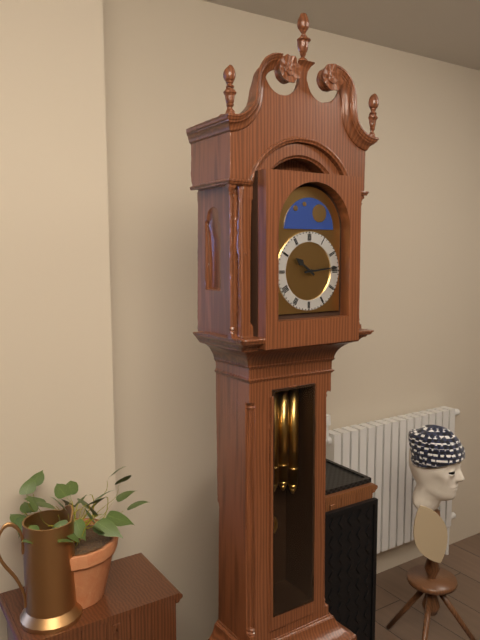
10:14
